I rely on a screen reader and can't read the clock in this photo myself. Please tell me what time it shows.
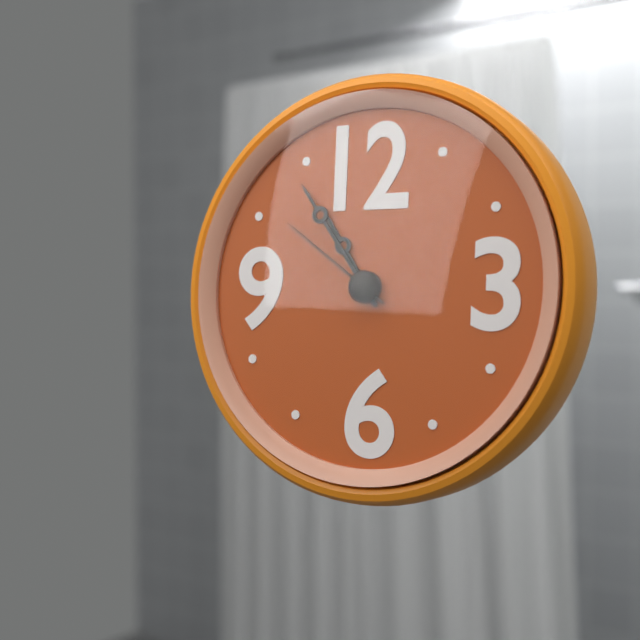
10:54:51
